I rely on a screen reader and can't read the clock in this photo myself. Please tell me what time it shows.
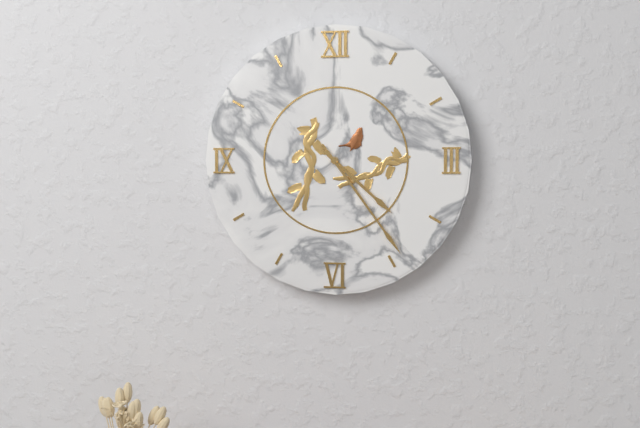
4:24
